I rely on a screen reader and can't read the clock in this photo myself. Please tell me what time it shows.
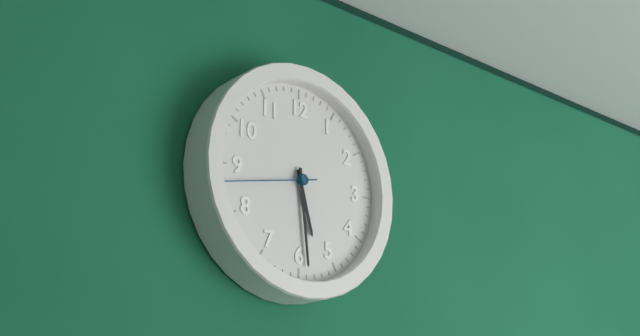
5:29:43
